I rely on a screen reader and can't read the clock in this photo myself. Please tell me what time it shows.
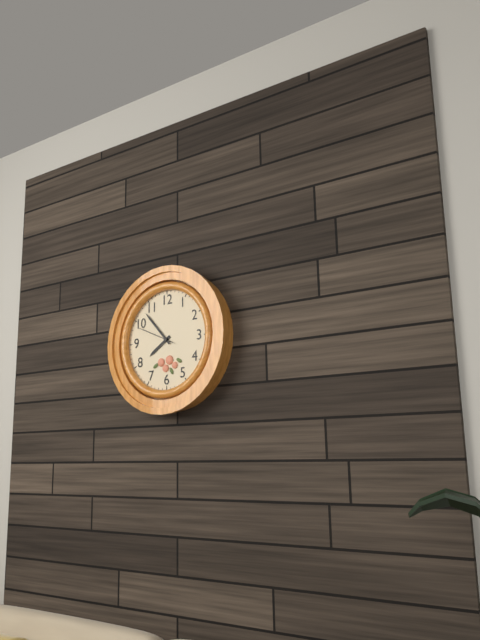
7:53
